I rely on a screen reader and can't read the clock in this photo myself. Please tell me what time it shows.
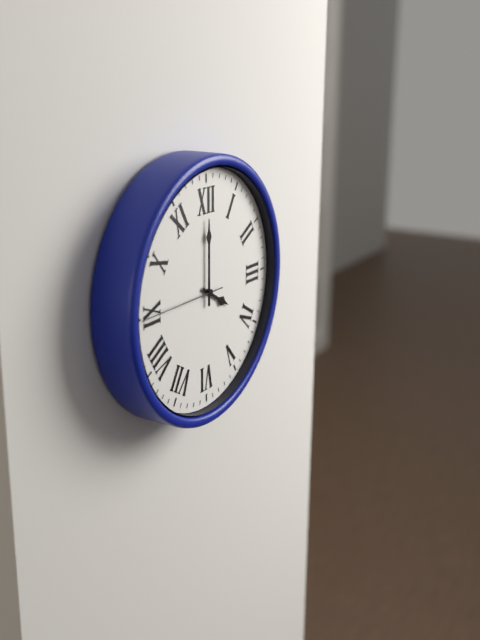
4:00:45
